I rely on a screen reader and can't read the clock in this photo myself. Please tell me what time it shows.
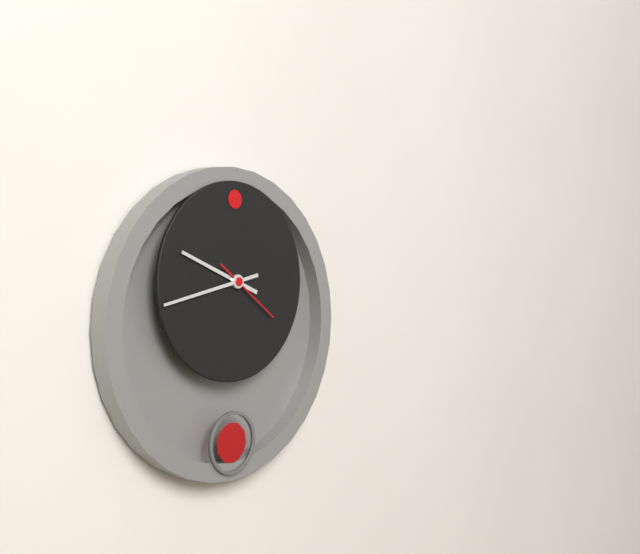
9:43:21
